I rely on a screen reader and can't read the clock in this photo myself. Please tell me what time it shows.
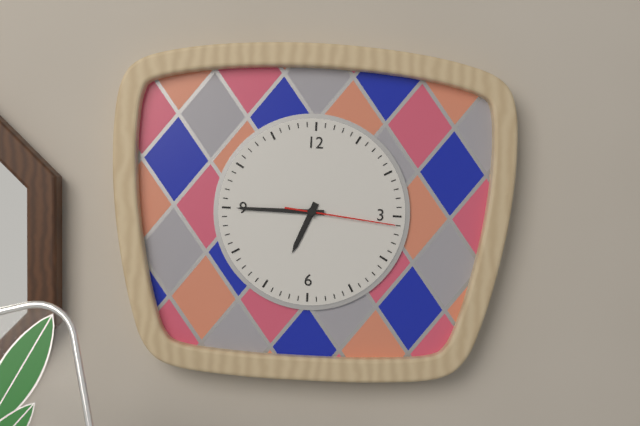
6:45:16
